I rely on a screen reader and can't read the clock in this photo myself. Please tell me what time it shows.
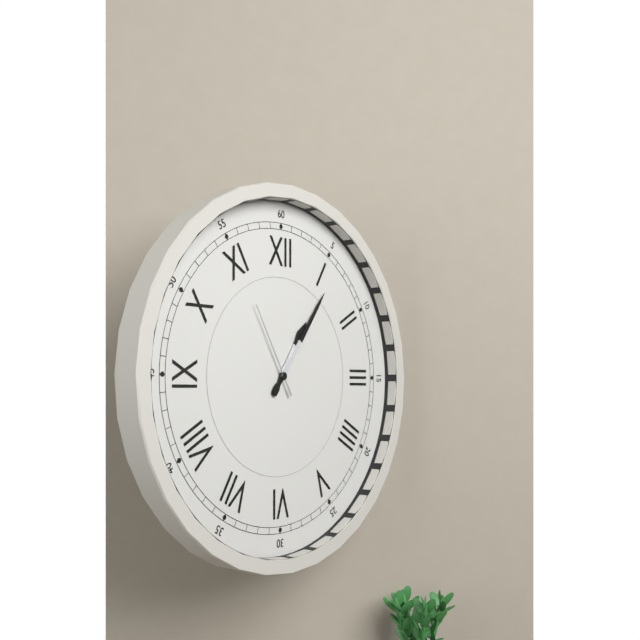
1:06:55
